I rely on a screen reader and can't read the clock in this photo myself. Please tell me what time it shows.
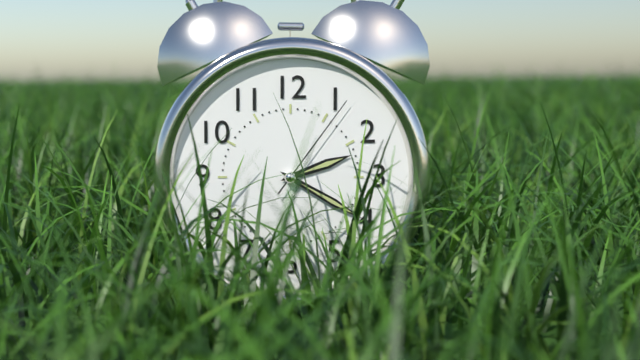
2:20:06
